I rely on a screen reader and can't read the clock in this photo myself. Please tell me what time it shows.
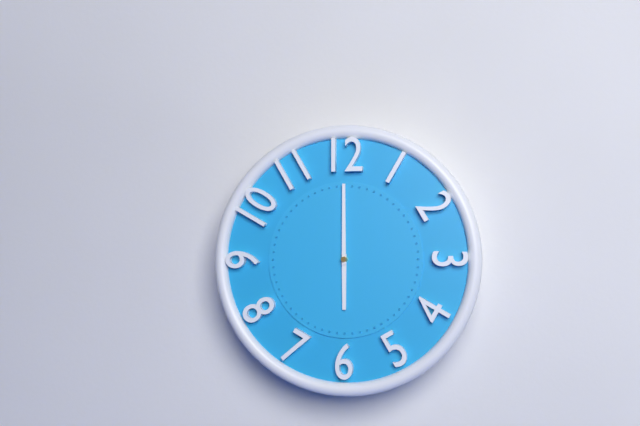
6:00
